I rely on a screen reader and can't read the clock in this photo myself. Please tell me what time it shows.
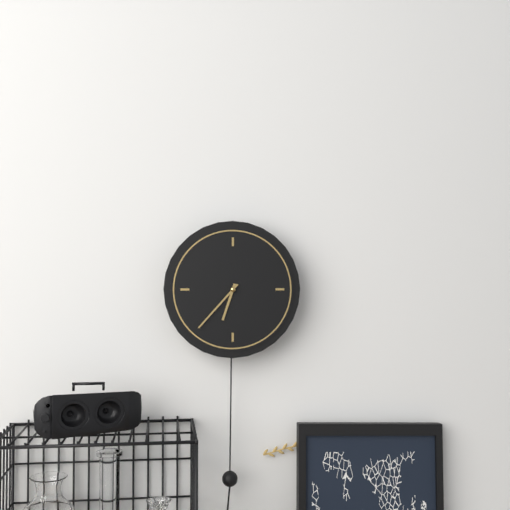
6:37
